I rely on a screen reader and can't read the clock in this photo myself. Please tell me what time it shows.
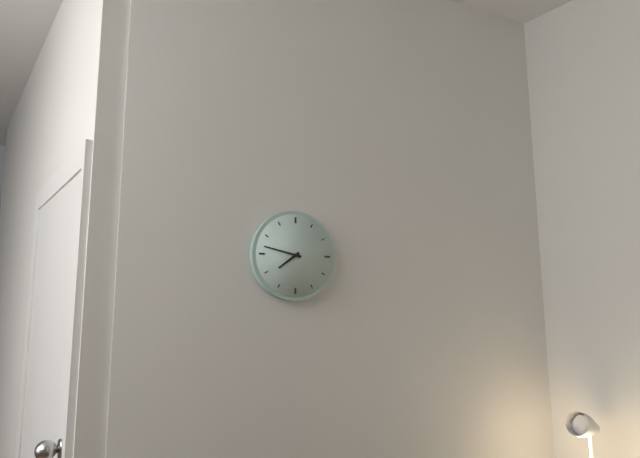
7:47
